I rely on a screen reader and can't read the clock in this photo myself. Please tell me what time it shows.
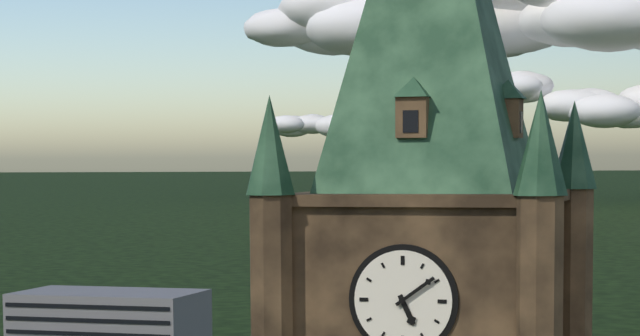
5:09
